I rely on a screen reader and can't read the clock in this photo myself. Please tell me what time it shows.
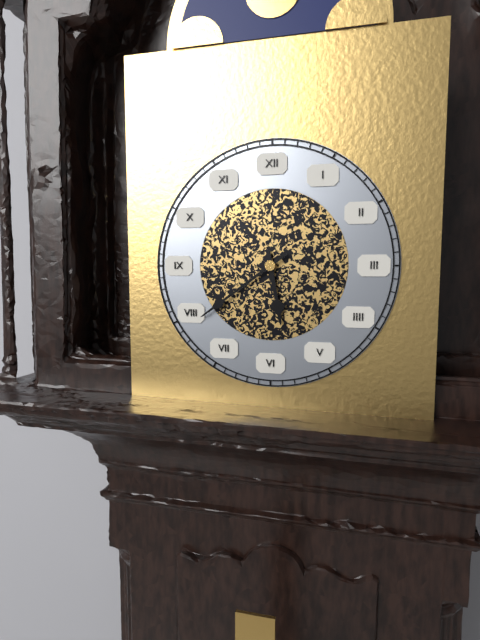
5:39
